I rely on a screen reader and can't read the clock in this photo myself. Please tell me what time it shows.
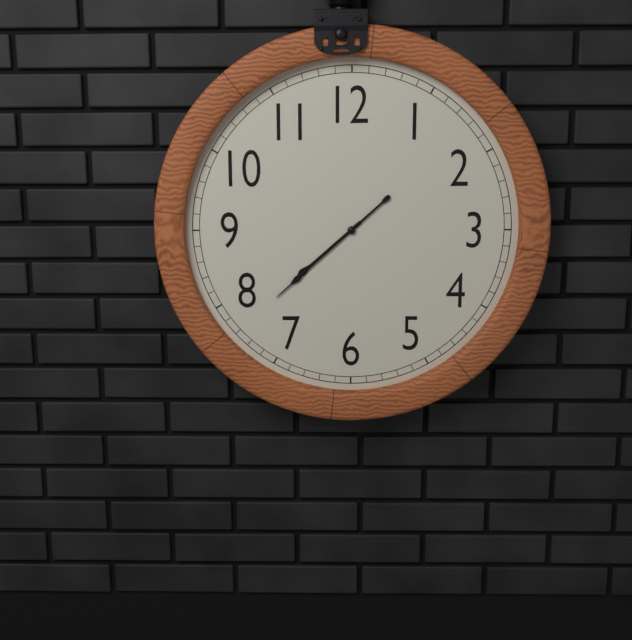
7:38
